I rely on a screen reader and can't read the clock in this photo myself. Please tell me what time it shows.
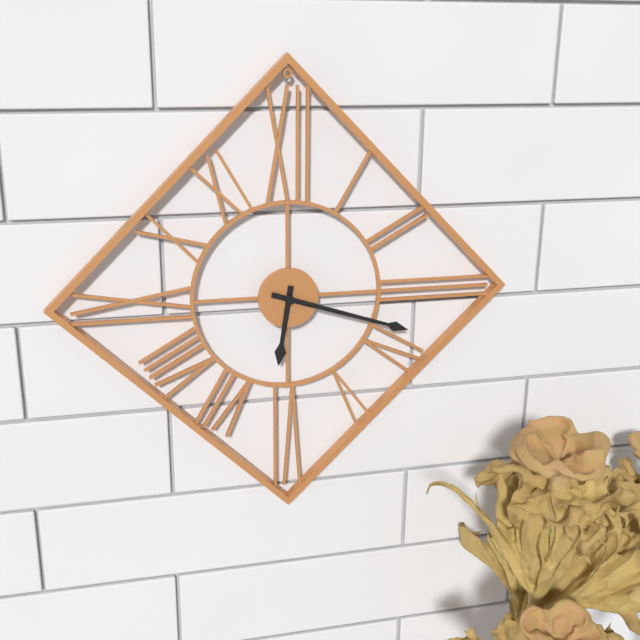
6:18
